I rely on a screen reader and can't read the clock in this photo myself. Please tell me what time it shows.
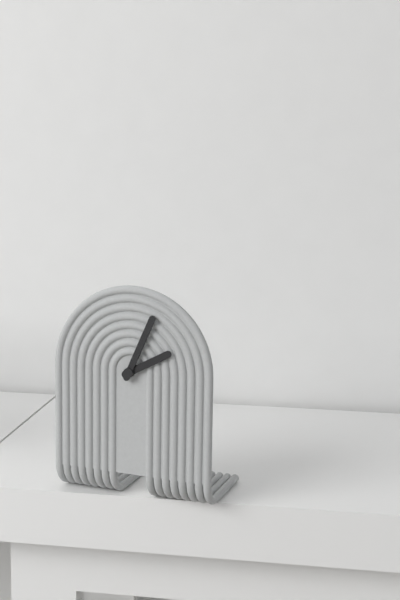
2:04
